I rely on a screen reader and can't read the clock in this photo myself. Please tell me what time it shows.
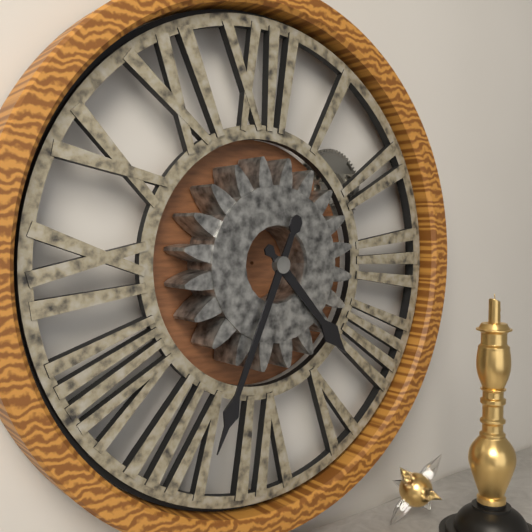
4:34
